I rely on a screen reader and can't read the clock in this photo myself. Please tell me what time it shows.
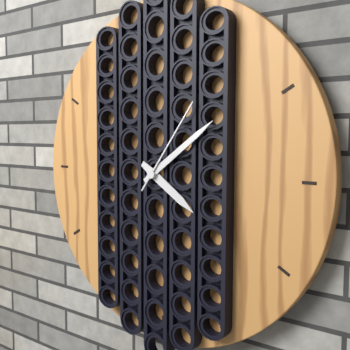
4:09:06
